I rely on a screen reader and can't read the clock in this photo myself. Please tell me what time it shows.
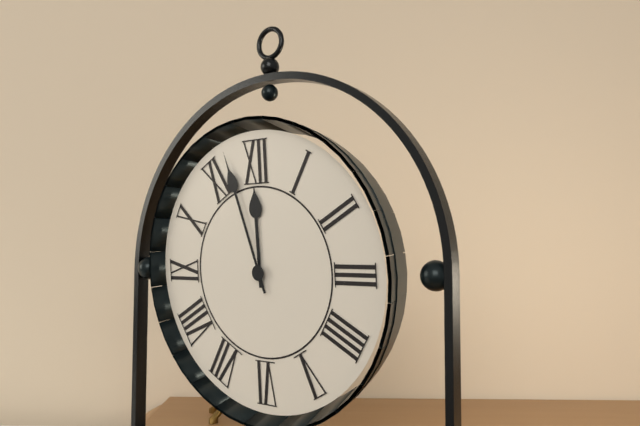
11:57
